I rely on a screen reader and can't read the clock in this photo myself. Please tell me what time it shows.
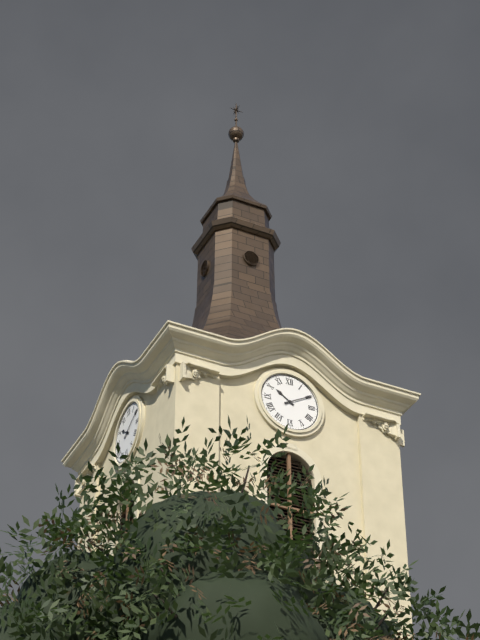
10:10
